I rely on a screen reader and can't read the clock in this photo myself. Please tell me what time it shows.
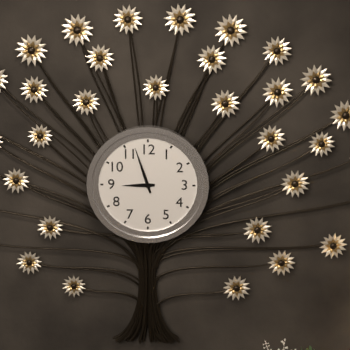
8:57
